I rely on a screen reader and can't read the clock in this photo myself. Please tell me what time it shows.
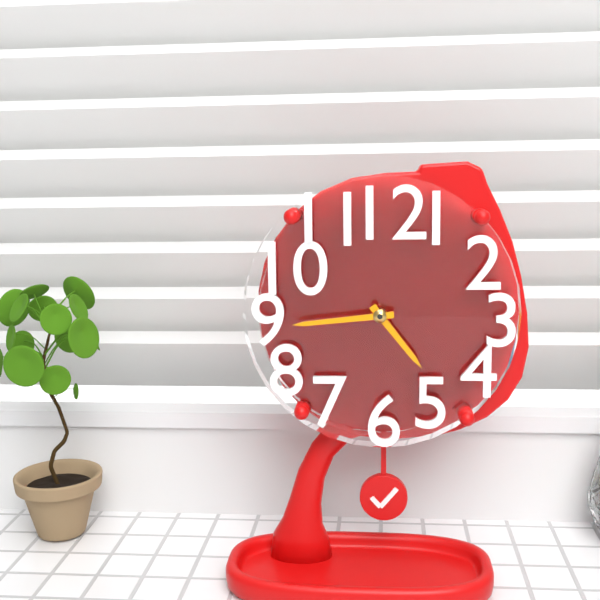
4:44
